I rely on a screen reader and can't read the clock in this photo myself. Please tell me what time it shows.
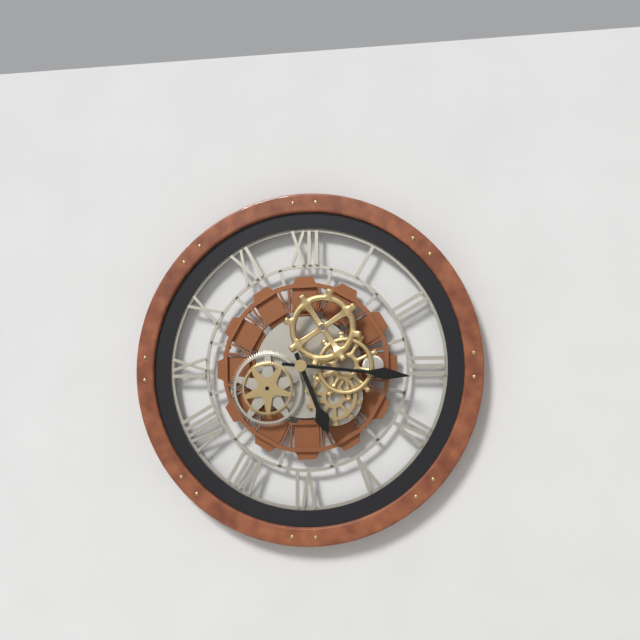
5:16
